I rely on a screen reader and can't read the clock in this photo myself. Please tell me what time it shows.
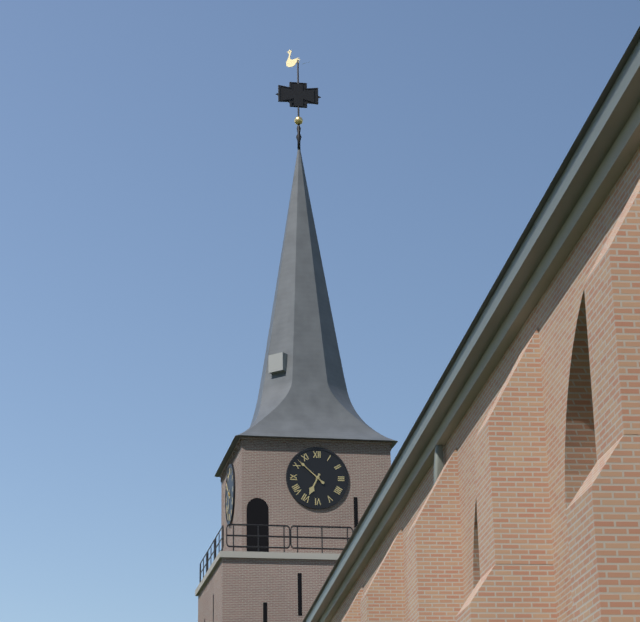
6:52
